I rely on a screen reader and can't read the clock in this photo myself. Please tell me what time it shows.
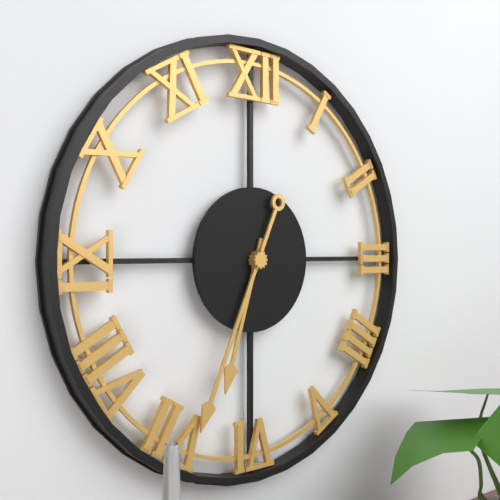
6:34
